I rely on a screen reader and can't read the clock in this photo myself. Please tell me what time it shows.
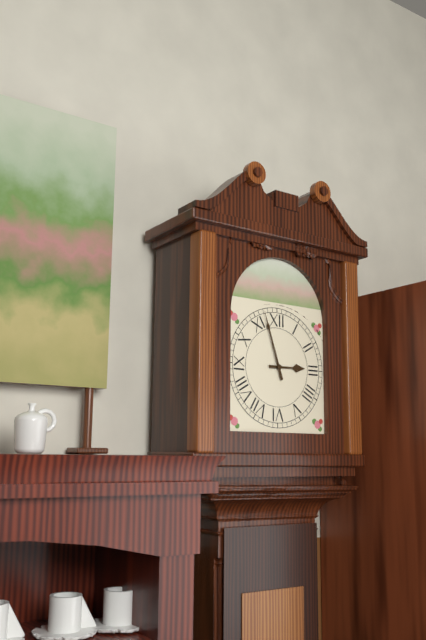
2:57
